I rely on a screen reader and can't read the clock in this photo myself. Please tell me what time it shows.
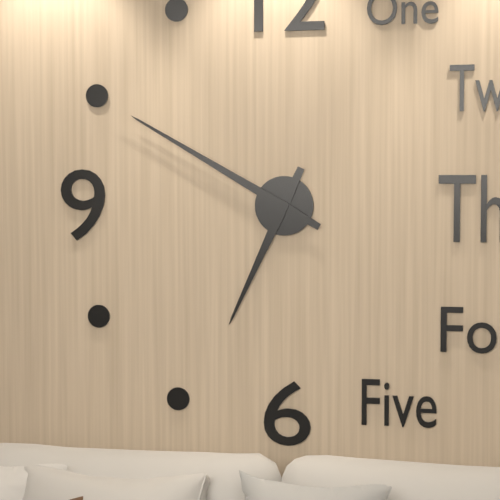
6:50
